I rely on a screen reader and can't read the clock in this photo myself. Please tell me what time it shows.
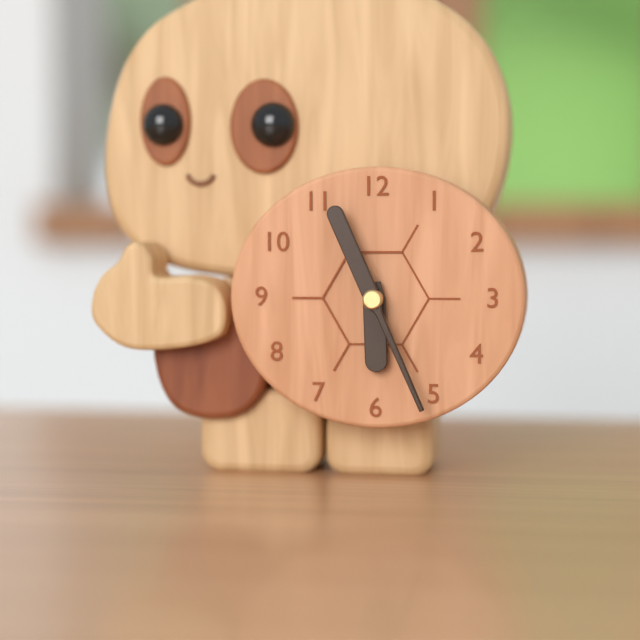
5:56
